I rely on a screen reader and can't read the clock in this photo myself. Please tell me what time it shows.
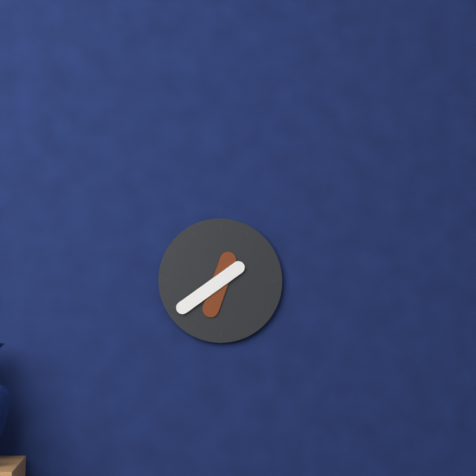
6:39
